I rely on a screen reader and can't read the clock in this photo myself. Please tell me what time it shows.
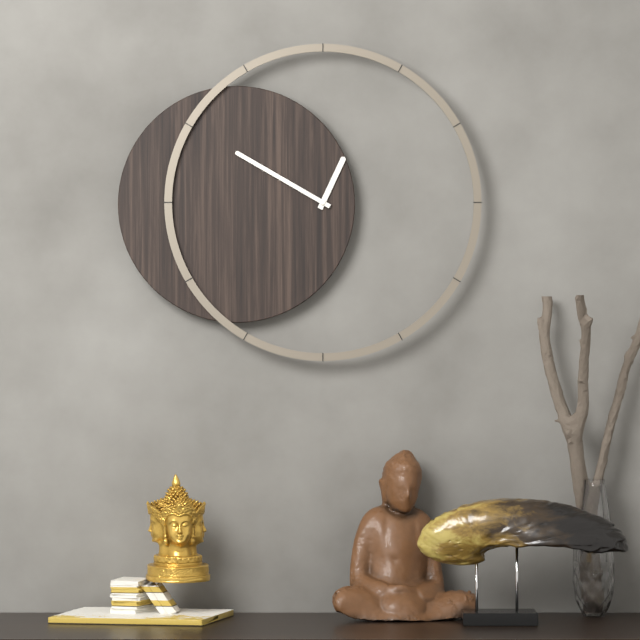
12:50
